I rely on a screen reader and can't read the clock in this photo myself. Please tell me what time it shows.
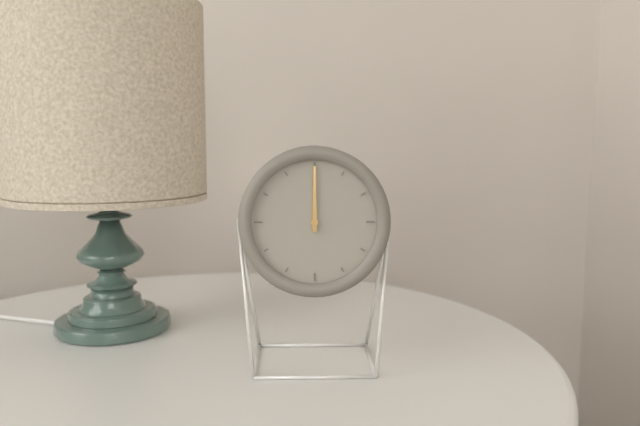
12:00
